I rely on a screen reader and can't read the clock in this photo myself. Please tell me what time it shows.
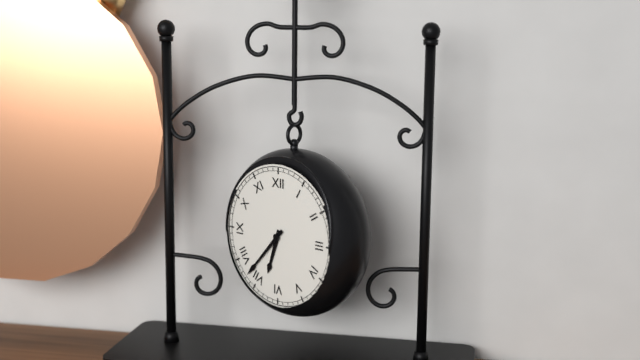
6:37
